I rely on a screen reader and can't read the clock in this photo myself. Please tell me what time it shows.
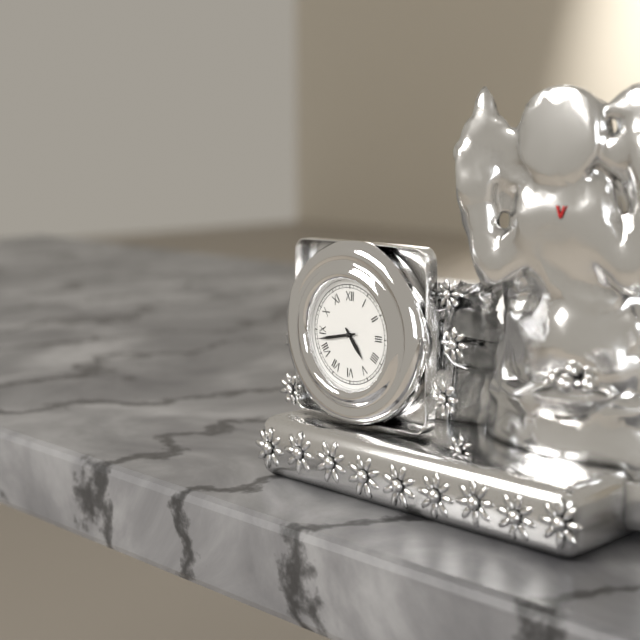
4:43
